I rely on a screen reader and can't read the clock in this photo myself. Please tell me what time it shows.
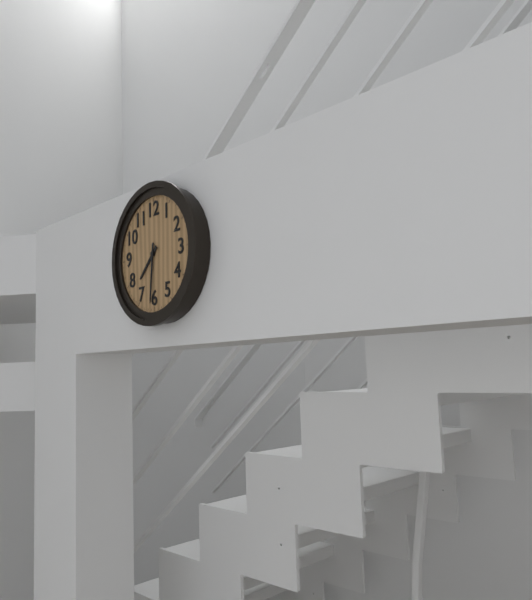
7:31
